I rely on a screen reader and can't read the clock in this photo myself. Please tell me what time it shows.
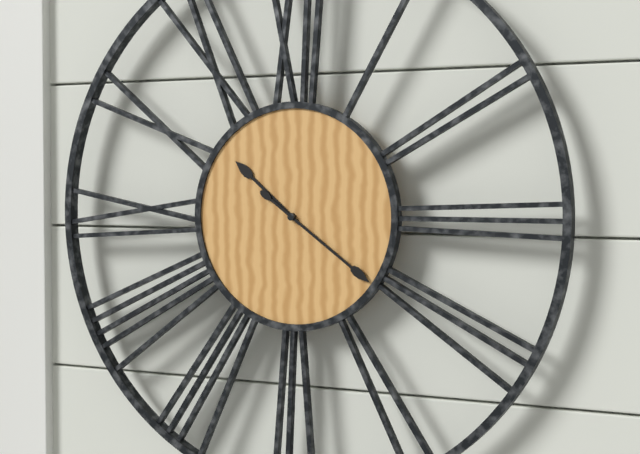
10:21
